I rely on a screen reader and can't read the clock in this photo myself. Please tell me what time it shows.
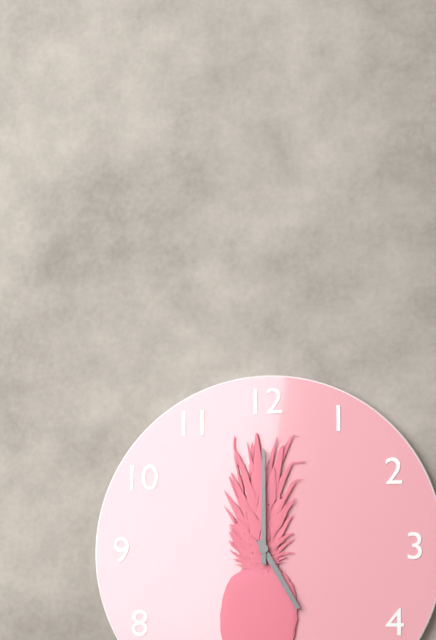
5:00
